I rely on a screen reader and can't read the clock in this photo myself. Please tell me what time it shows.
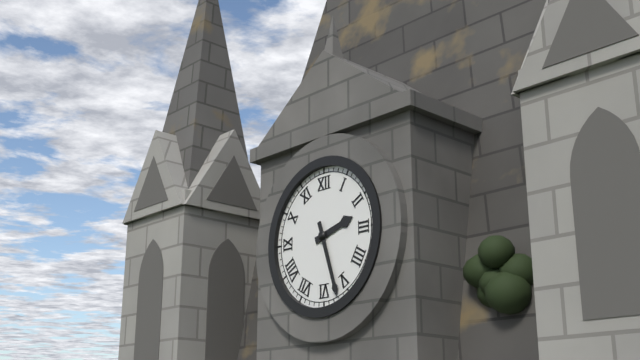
2:27
